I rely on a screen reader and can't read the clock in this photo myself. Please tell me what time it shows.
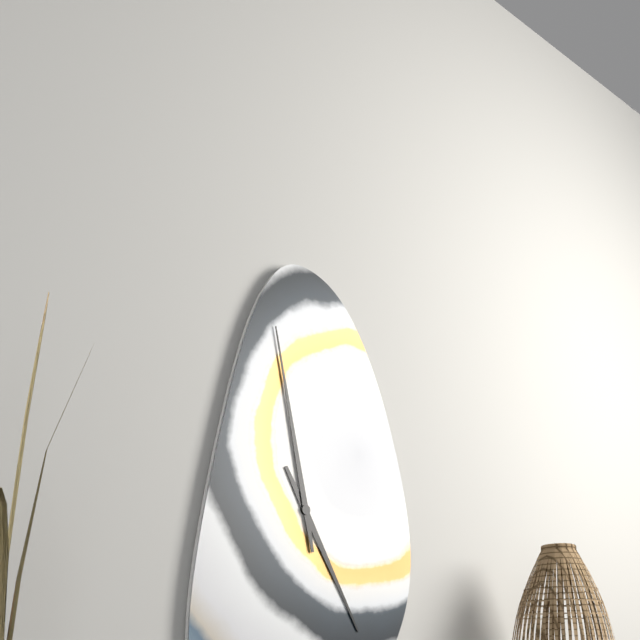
4:58
